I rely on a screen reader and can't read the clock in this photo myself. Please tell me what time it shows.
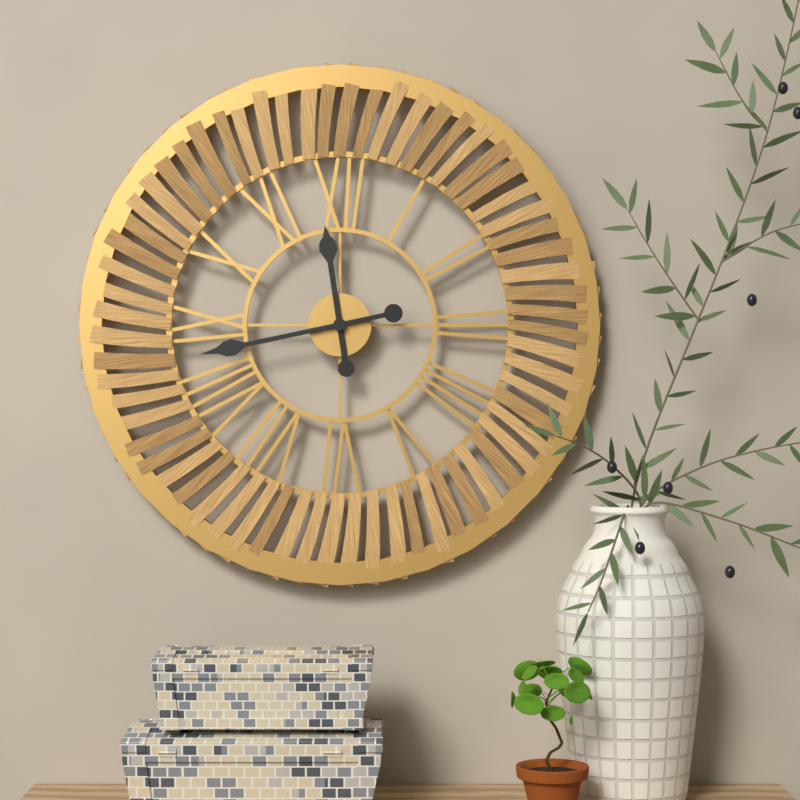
11:43
